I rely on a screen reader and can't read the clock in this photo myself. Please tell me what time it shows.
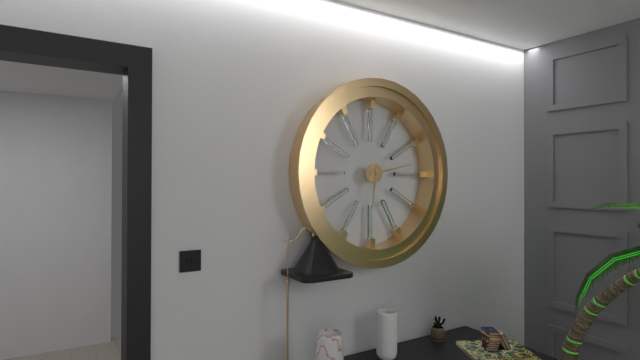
6:13
